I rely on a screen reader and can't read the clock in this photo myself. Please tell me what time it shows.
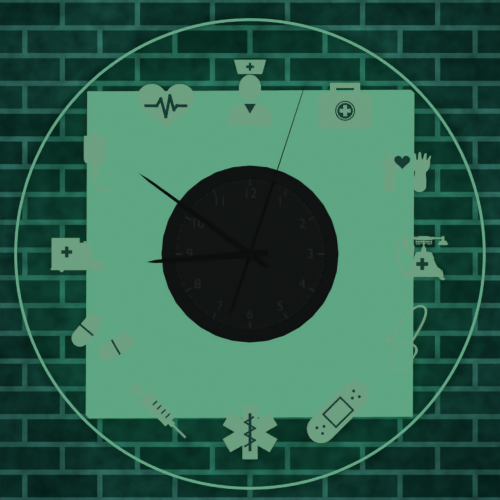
8:51:03
